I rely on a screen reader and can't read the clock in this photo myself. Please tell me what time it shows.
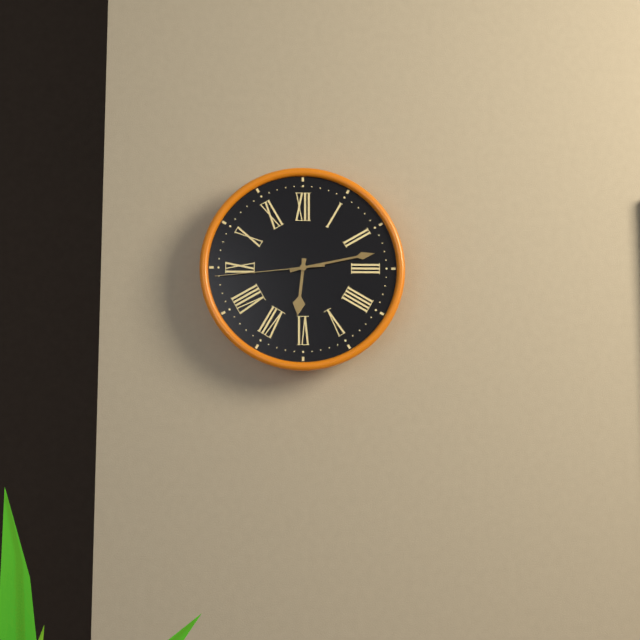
6:13:44
